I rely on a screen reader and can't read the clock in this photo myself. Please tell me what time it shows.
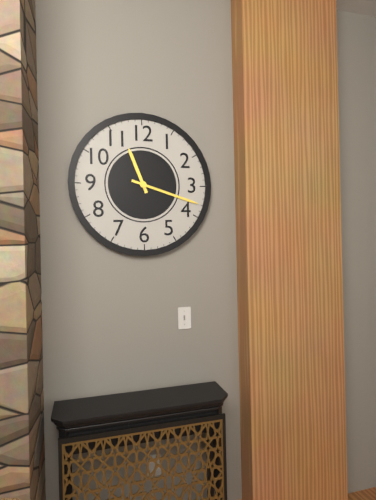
11:18
